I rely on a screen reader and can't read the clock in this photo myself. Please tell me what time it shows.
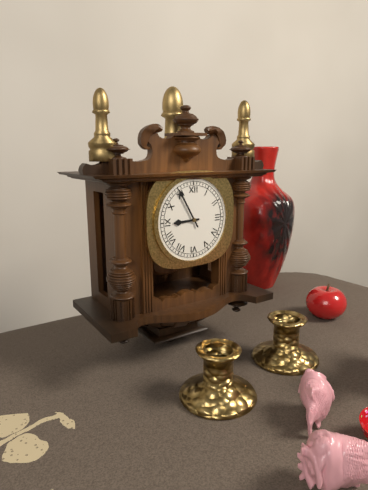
8:55
